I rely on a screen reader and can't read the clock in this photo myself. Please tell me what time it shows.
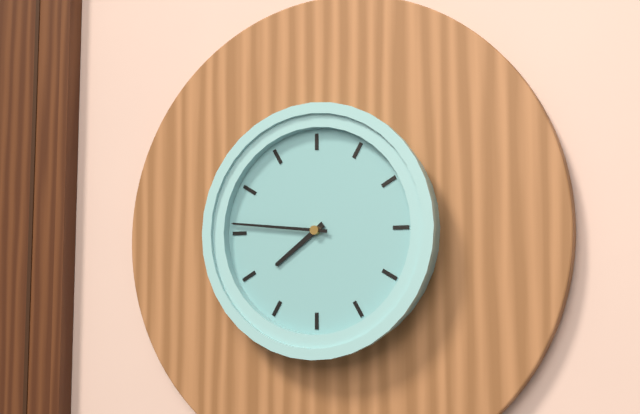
7:46
